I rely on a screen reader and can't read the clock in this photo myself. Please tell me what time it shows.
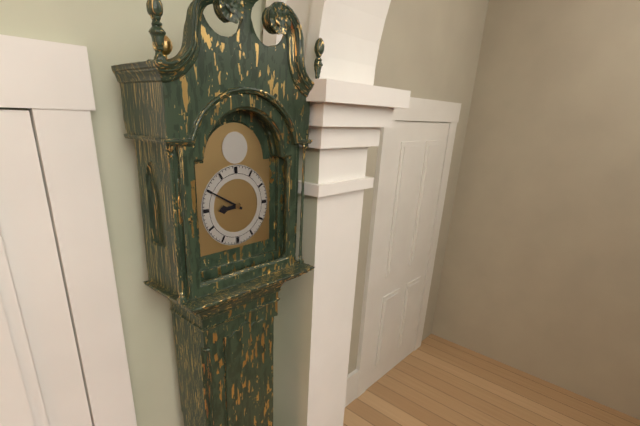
8:50
